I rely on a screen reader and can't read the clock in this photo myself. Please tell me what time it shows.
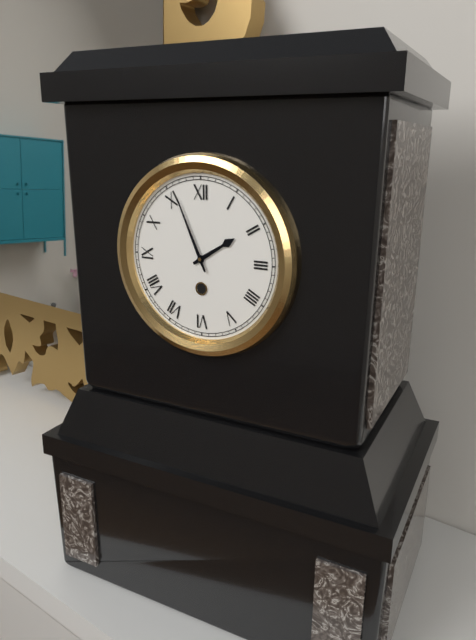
1:56
